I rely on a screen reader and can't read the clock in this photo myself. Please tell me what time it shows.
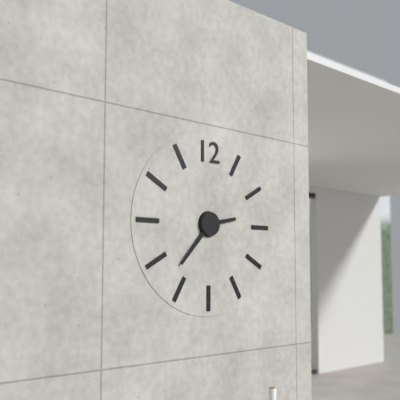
2:37
